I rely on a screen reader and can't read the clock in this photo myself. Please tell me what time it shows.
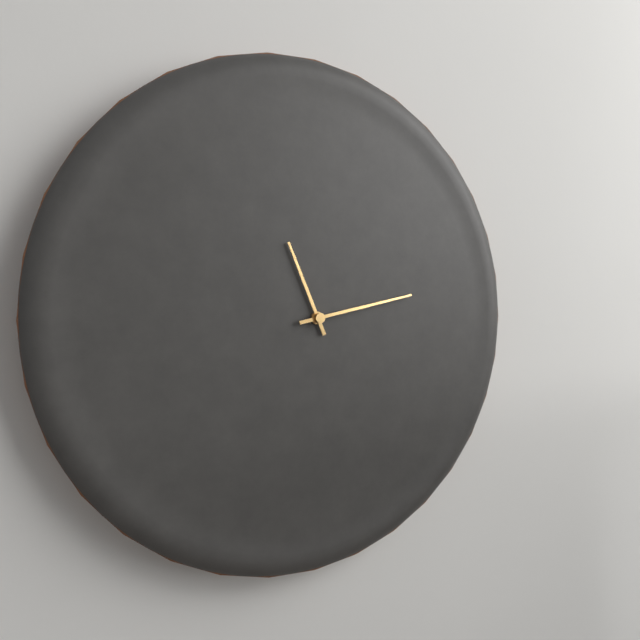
11:13
